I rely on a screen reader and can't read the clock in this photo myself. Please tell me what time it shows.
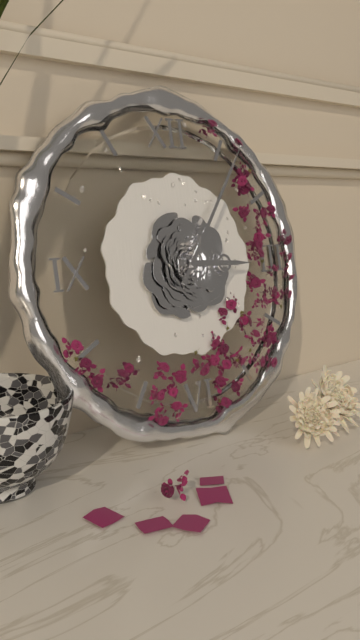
3:06
